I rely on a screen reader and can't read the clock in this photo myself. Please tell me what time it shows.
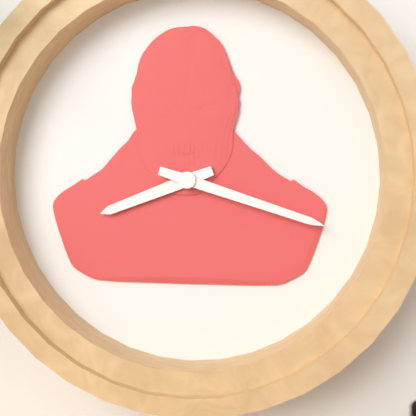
8:18
